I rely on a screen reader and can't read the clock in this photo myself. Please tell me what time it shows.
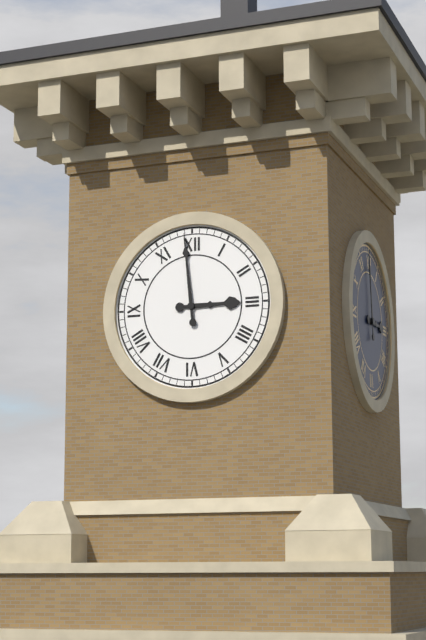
2:59
